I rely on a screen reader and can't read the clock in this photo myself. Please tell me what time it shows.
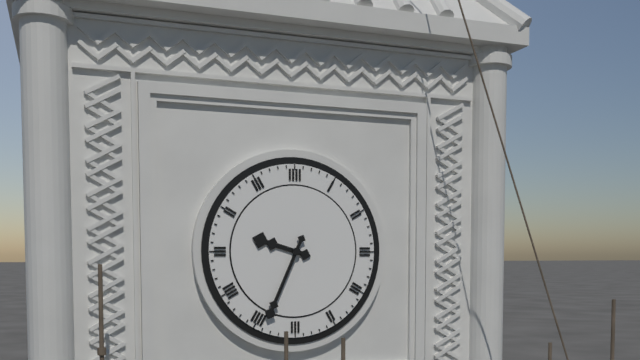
9:34
